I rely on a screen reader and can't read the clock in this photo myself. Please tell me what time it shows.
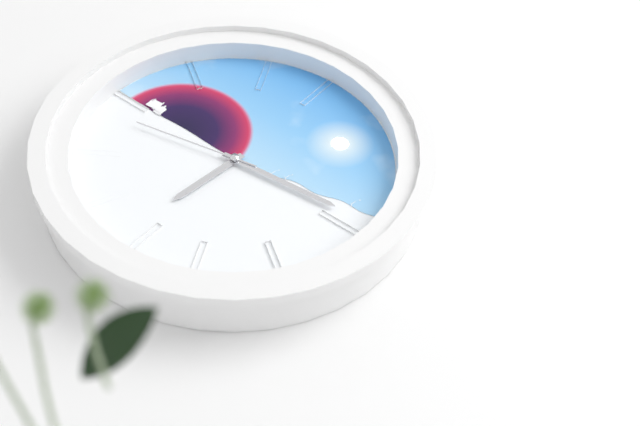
6:14:43
